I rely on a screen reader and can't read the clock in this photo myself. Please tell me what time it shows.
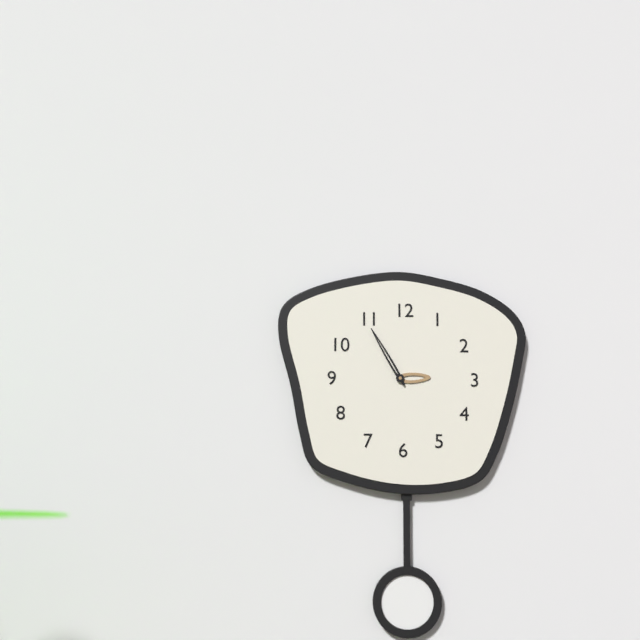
2:55
